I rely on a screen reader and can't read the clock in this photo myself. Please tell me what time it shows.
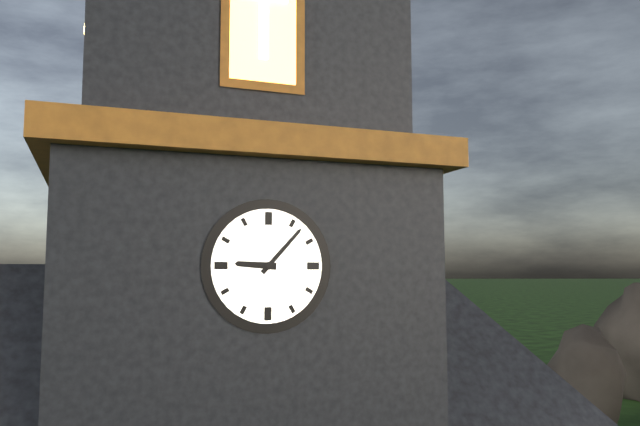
9:07
